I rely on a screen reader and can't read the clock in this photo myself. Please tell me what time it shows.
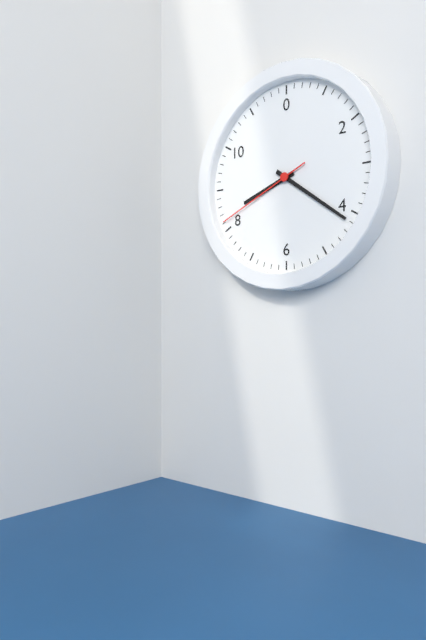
8:21:41
